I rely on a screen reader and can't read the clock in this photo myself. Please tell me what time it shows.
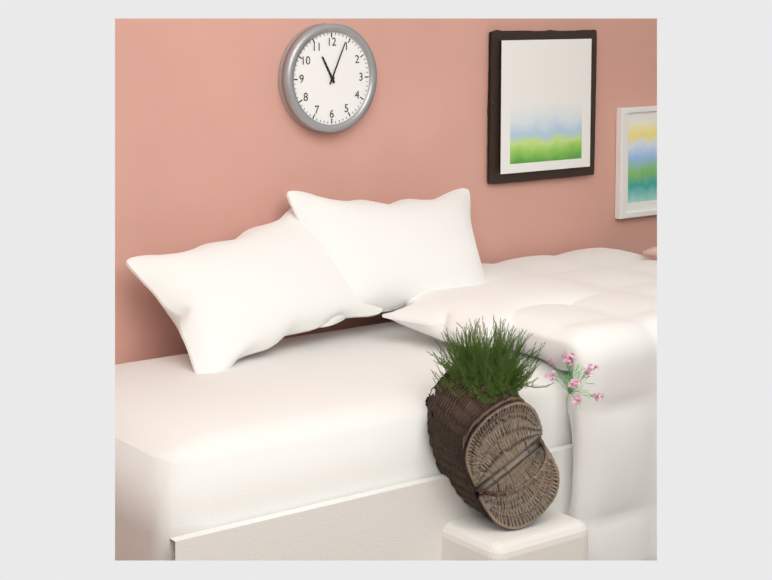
11:04
